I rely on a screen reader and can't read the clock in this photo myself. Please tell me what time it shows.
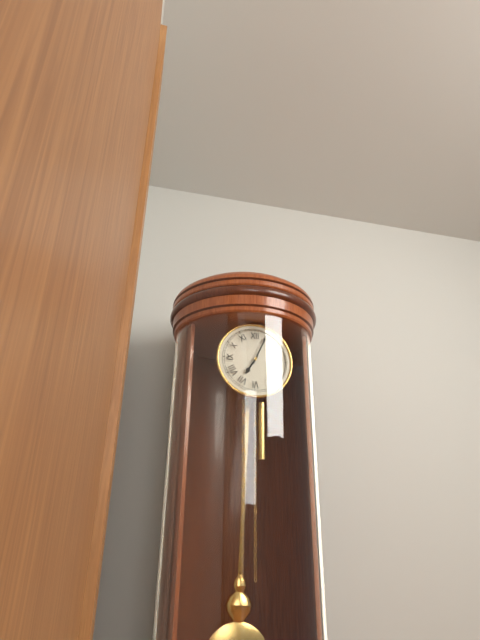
7:04
